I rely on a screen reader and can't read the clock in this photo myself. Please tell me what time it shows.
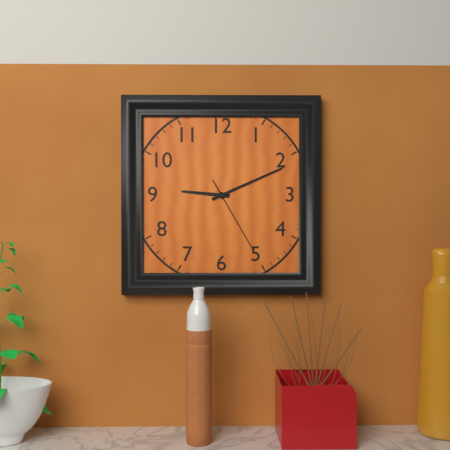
9:11:25
